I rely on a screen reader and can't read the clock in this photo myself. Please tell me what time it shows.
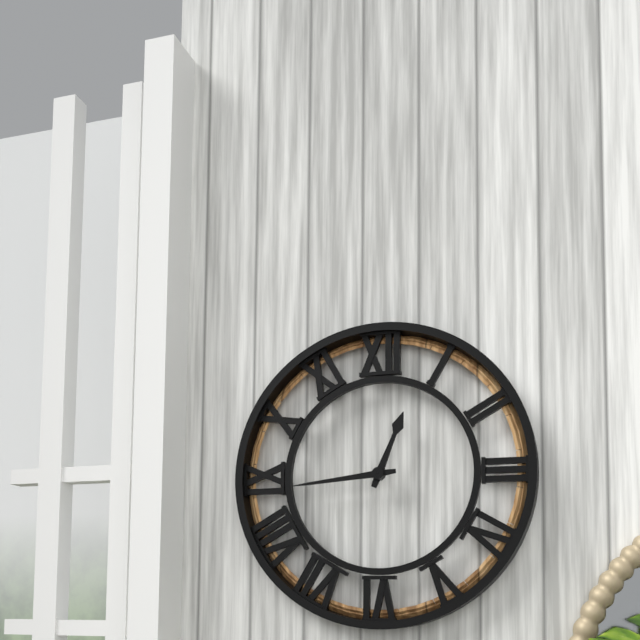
12:44
